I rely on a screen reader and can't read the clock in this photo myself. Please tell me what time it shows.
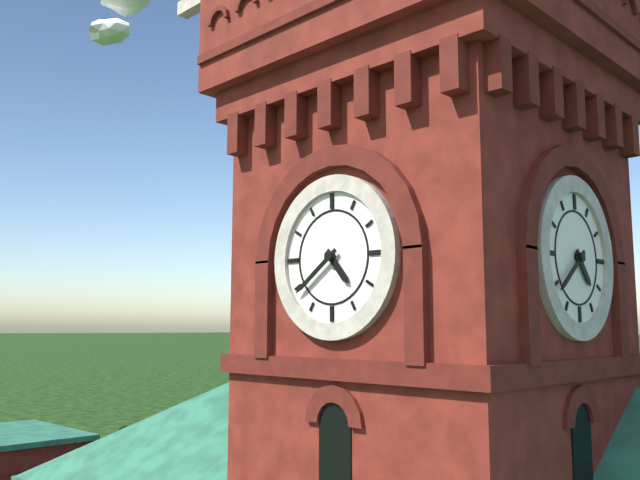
4:39
